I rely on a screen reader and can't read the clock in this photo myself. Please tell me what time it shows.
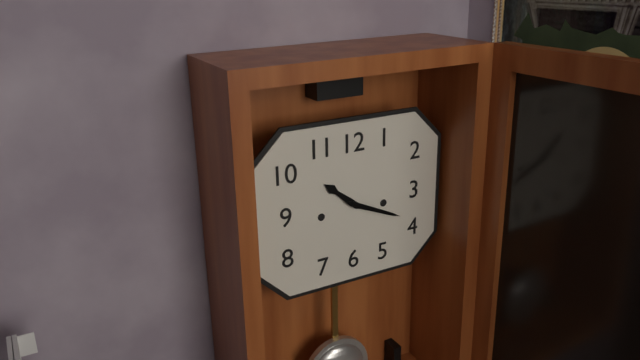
10:19
